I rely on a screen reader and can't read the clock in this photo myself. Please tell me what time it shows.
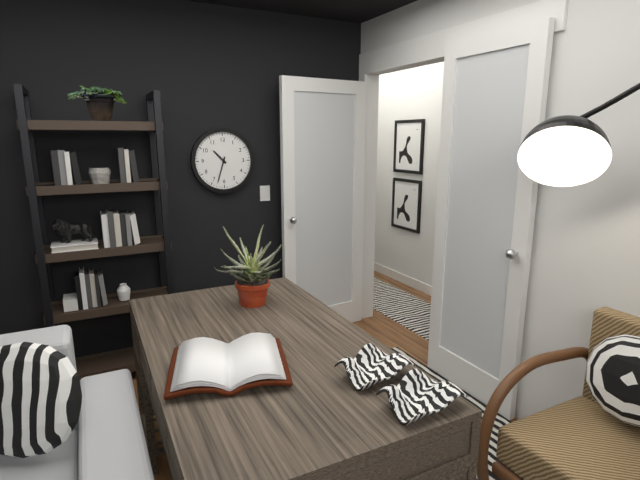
10:33
